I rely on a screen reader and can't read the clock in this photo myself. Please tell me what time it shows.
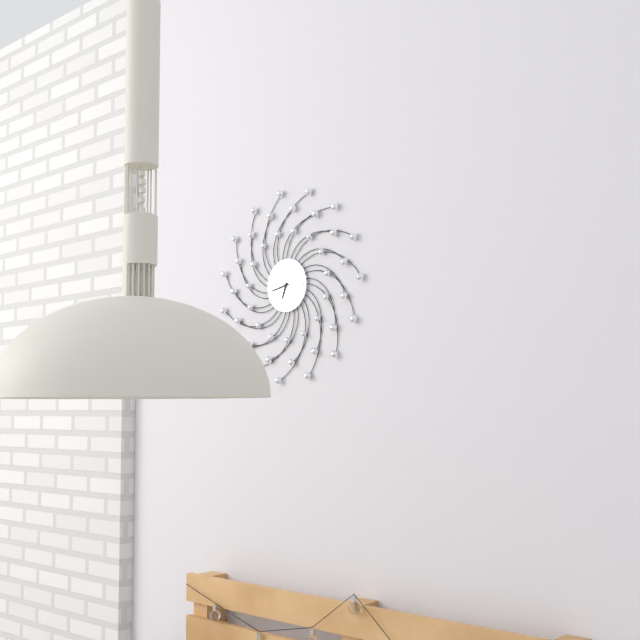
6:43
